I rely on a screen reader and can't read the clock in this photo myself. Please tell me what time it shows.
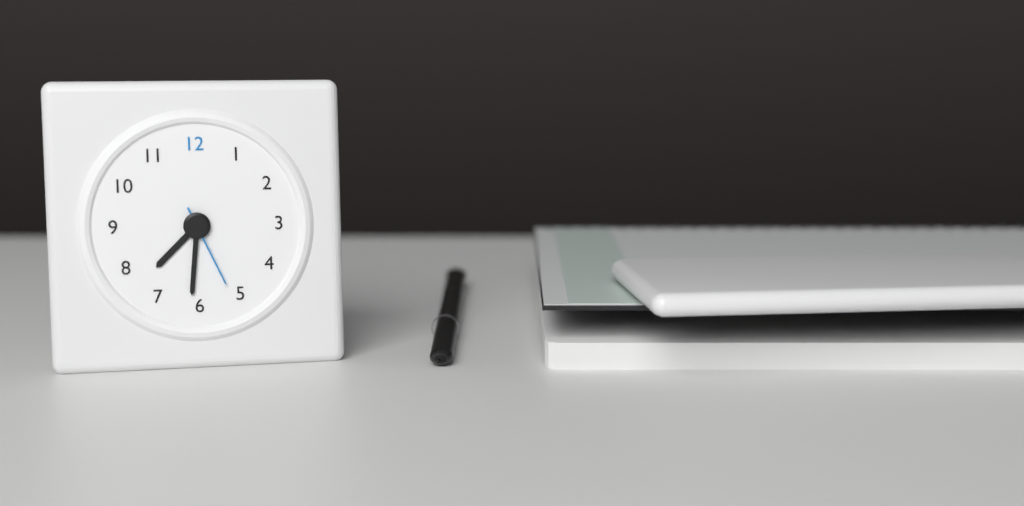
7:31:26
